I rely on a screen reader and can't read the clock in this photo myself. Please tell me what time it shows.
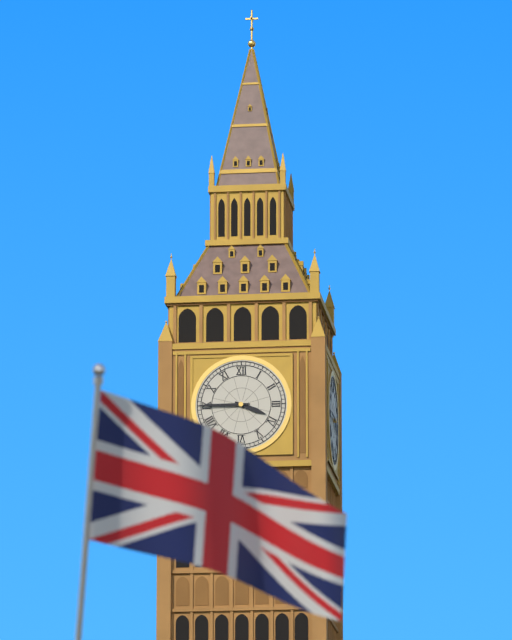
3:45
